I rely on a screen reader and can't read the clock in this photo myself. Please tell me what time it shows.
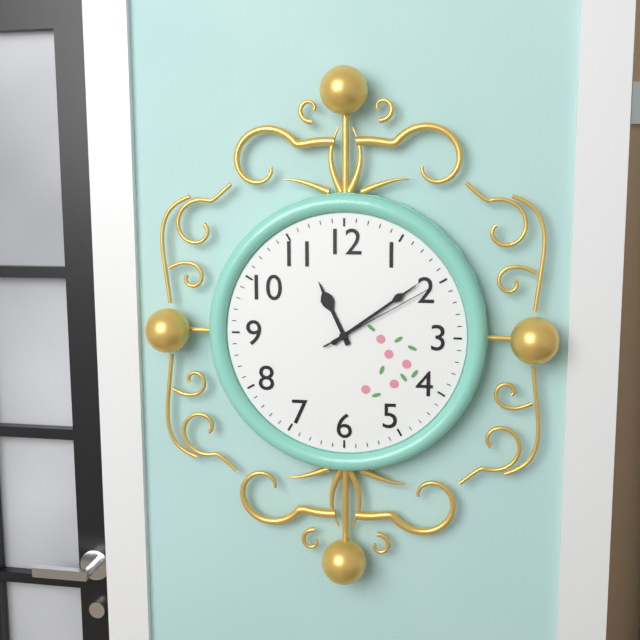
11:09:10
